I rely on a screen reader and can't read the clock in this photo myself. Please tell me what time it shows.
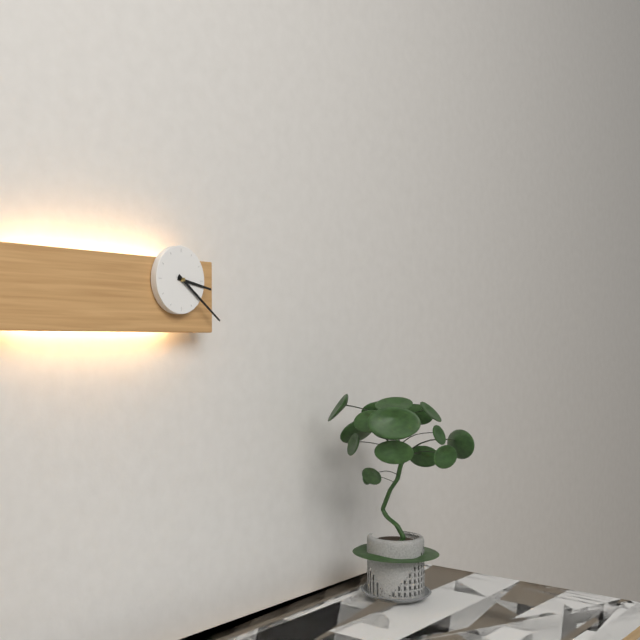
3:21
